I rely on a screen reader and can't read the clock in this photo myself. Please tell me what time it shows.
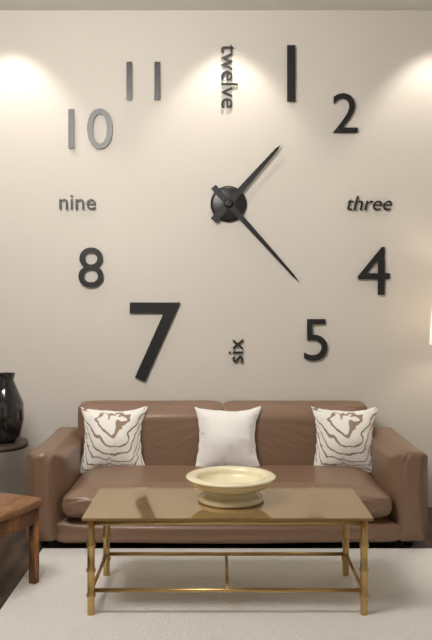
1:23
